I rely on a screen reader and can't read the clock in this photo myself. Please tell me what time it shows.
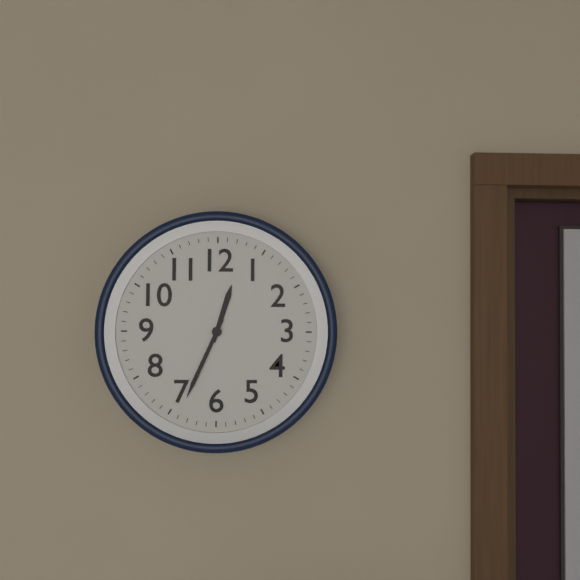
12:34
